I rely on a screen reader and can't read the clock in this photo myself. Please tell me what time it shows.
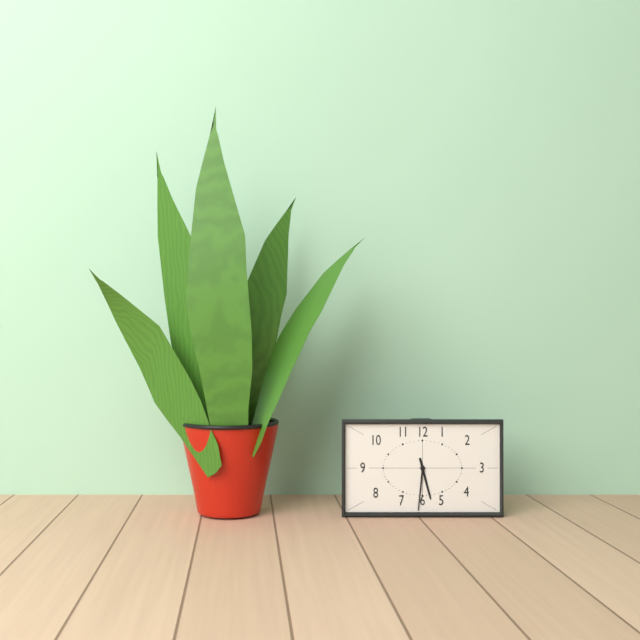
5:31
